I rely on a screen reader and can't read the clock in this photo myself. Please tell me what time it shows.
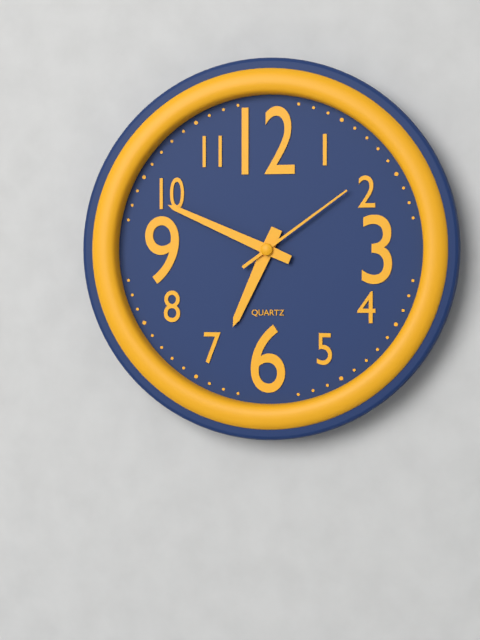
6:49:09
